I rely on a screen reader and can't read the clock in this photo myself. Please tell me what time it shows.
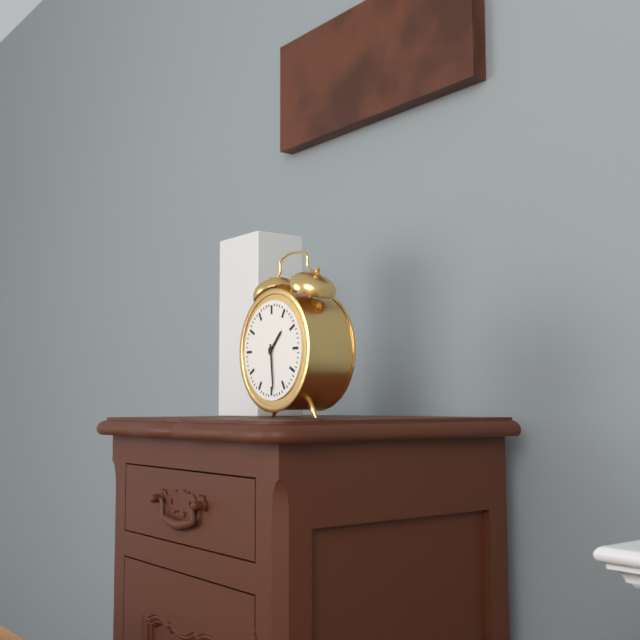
1:29
